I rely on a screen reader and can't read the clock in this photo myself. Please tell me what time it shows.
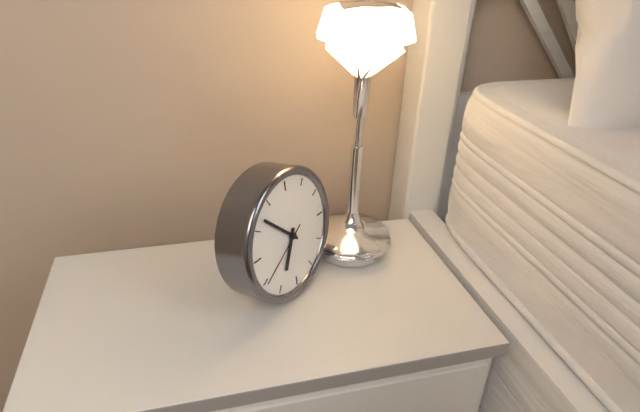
6:52:40
